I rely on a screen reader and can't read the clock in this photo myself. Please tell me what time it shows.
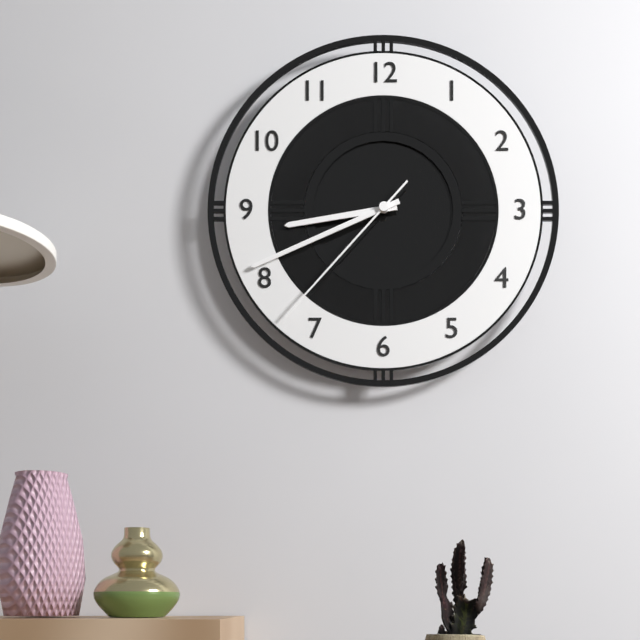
8:41:37
